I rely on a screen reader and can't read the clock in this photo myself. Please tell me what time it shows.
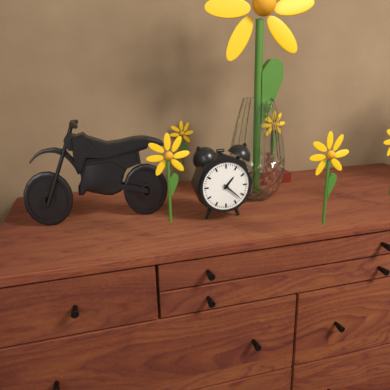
1:22
